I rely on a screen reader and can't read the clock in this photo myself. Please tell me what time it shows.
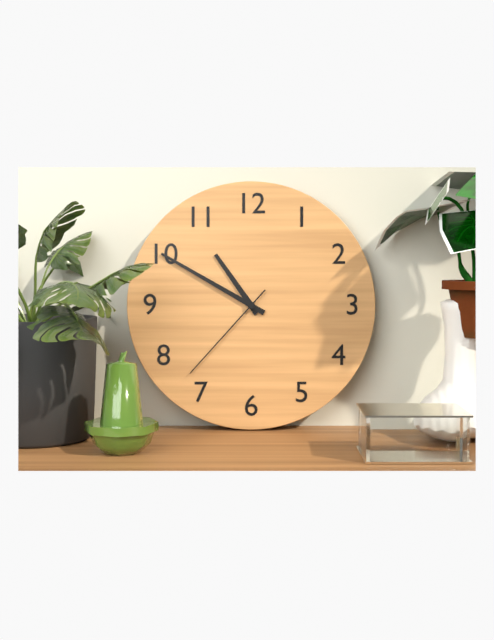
10:50:37
